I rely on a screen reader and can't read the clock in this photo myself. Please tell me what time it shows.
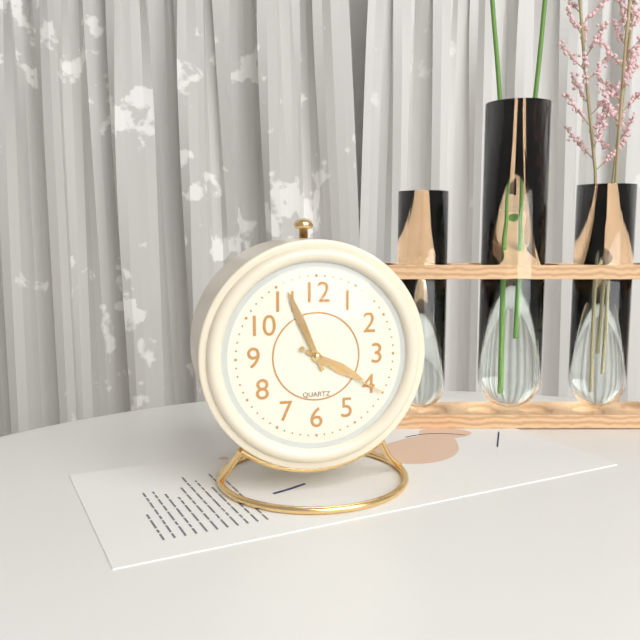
3:56:20
